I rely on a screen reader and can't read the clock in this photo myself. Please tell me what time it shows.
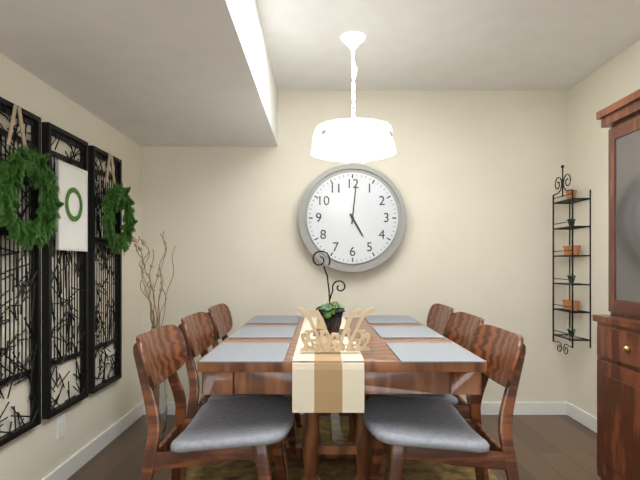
5:01
